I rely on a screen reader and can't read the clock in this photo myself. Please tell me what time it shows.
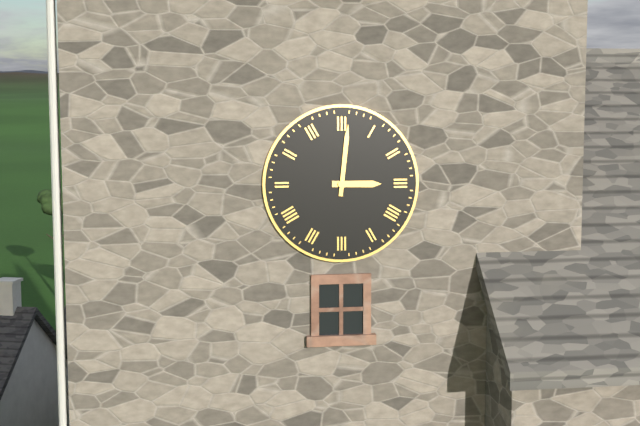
3:01
